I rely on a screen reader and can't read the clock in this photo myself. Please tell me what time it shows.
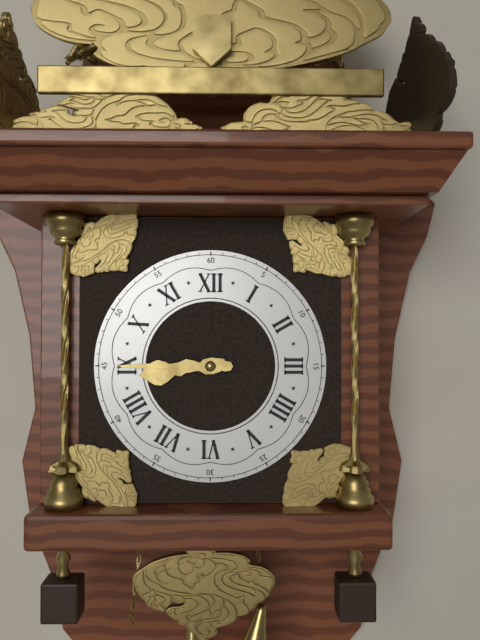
8:45
